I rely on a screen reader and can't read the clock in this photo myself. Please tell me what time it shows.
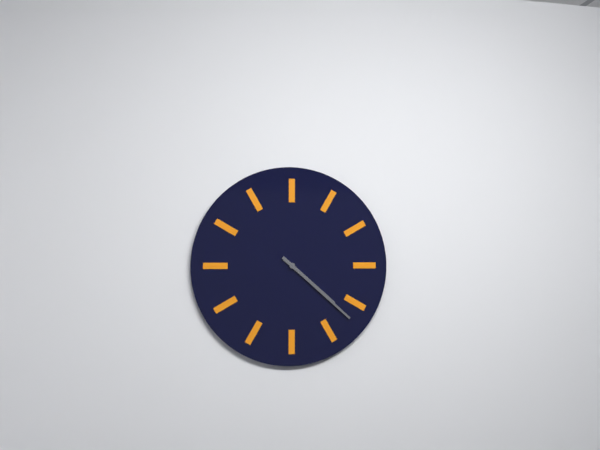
4:22
